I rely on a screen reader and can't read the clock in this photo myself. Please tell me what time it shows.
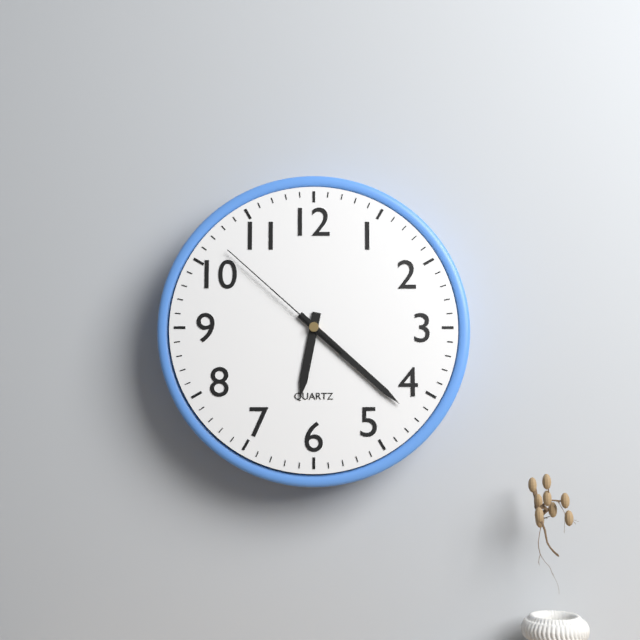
6:22:52
